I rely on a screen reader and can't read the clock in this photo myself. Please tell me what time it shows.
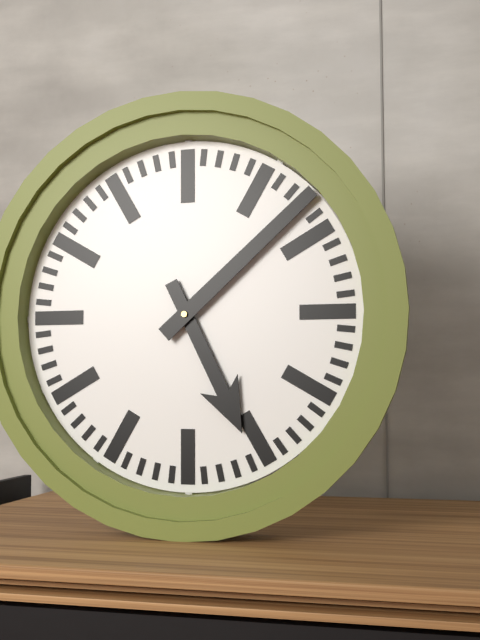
5:08
